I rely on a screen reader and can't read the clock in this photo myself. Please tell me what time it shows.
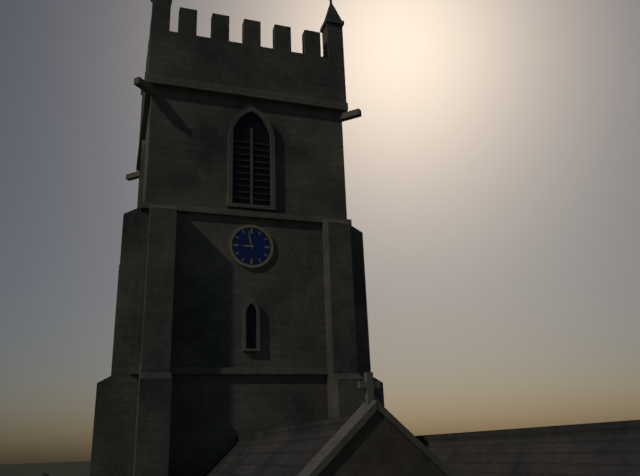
8:58
